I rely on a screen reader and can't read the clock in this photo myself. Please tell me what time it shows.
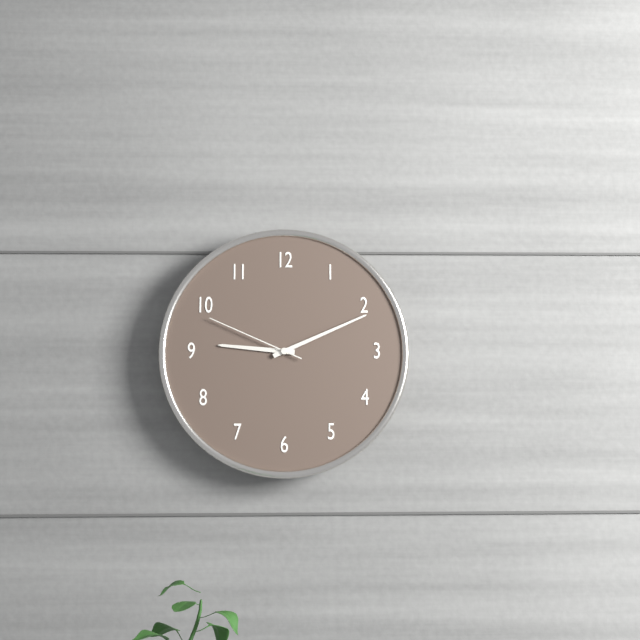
9:11:49
